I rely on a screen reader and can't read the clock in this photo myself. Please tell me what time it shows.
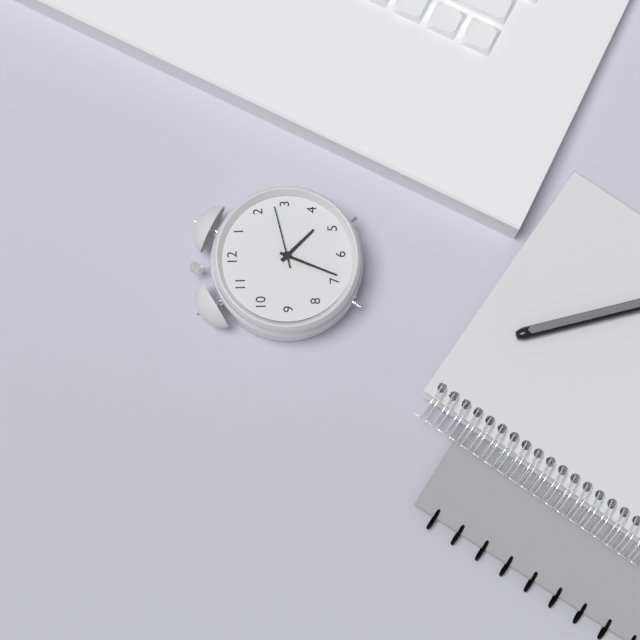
4:34:13
